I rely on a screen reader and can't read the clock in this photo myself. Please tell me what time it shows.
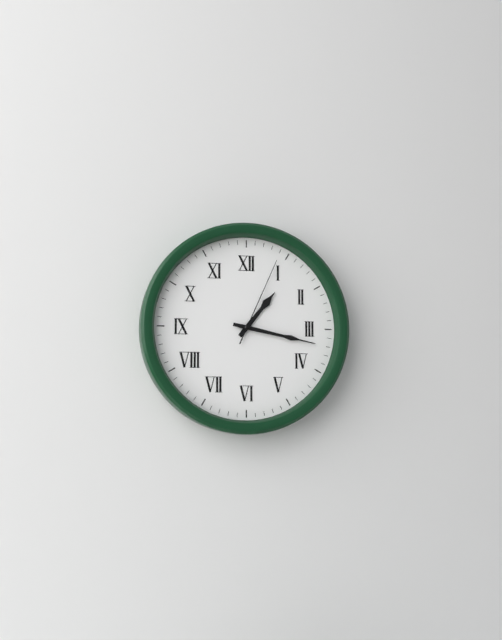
1:17:04
